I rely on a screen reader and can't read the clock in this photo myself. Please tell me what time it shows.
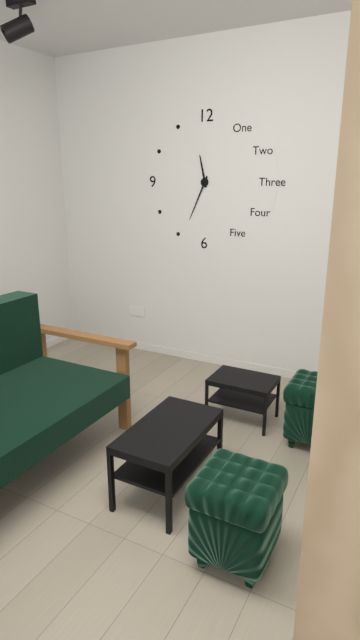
11:34
